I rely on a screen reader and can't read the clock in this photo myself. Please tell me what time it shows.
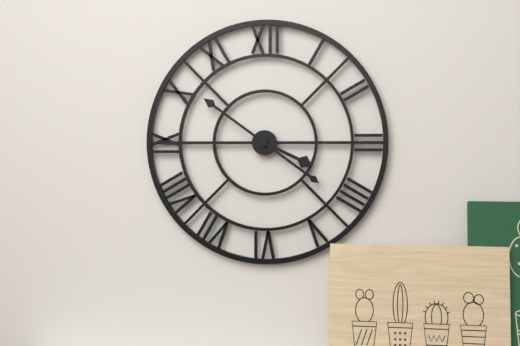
3:51
